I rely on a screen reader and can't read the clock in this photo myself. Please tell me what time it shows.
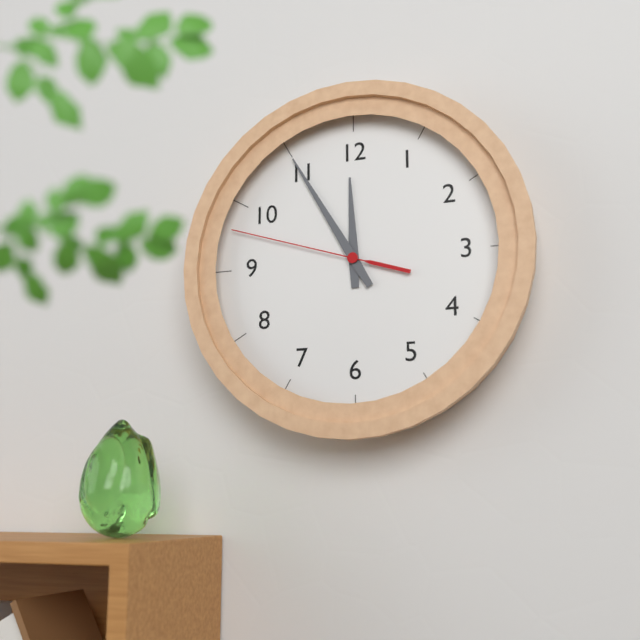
11:55:48
